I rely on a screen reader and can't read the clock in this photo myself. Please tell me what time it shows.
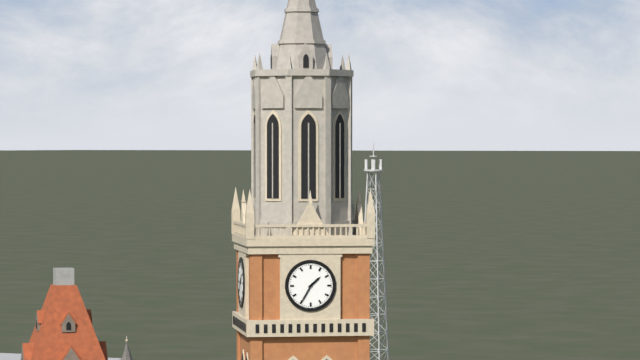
1:35
